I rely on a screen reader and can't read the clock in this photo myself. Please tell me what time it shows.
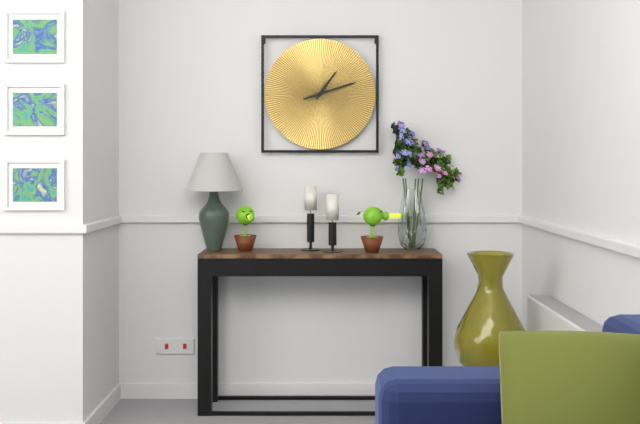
1:12
